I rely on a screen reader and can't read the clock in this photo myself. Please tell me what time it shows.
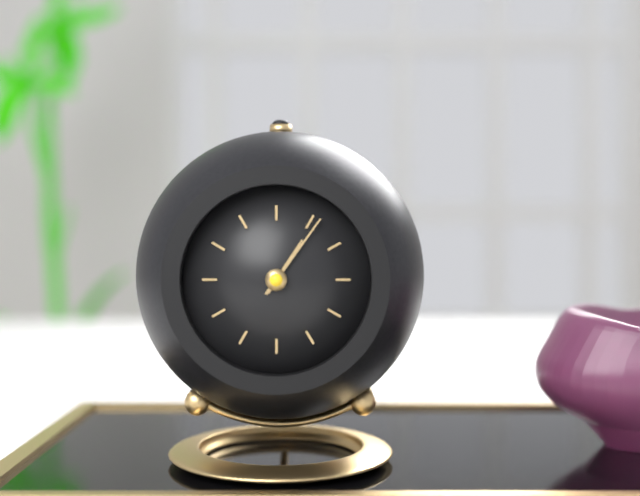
1:06
